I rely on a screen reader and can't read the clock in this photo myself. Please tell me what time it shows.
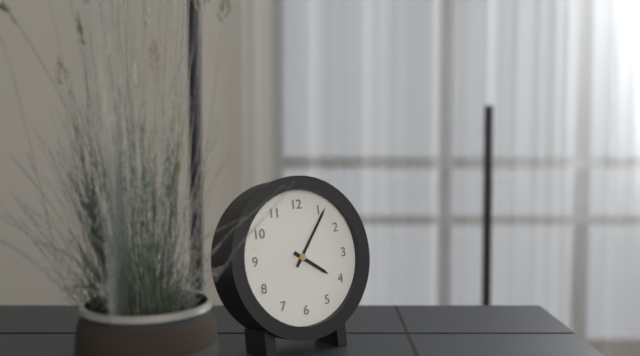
4:06
